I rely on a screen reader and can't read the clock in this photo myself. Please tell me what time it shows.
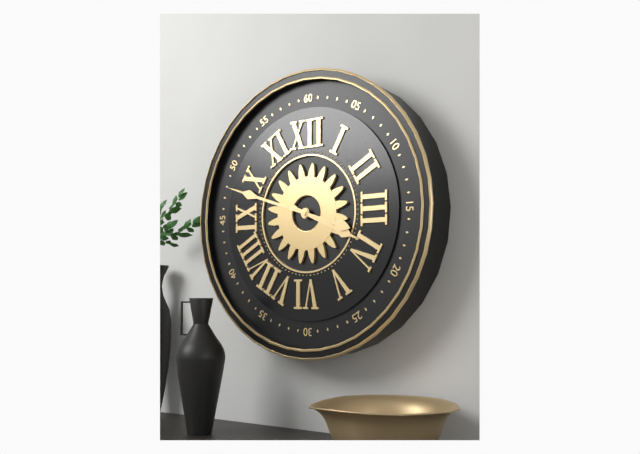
3:48
